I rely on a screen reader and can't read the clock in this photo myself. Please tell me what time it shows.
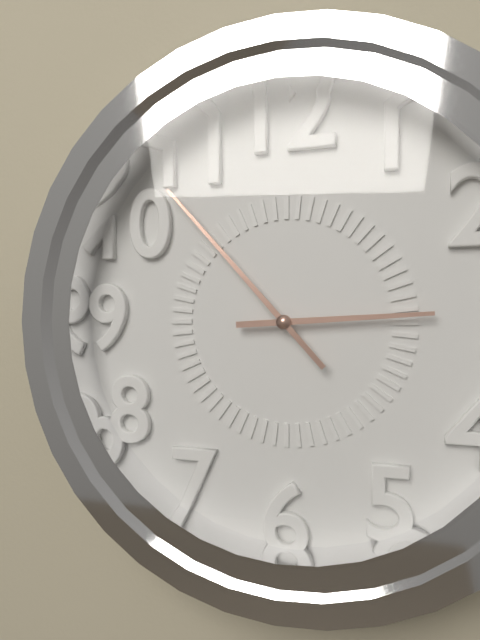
2:53
